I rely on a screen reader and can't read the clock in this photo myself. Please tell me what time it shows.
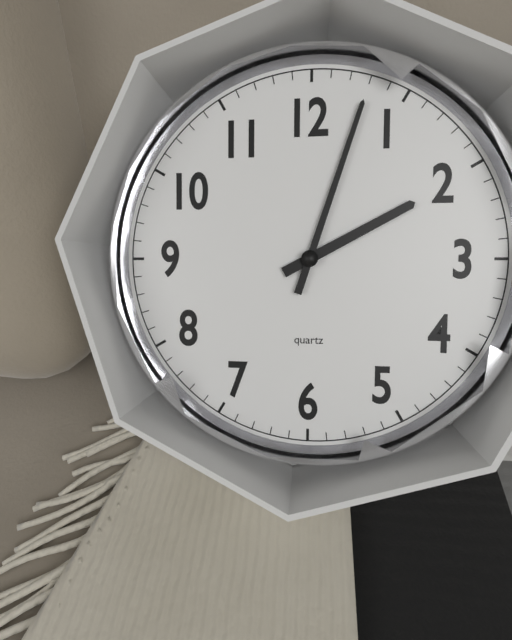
2:03
